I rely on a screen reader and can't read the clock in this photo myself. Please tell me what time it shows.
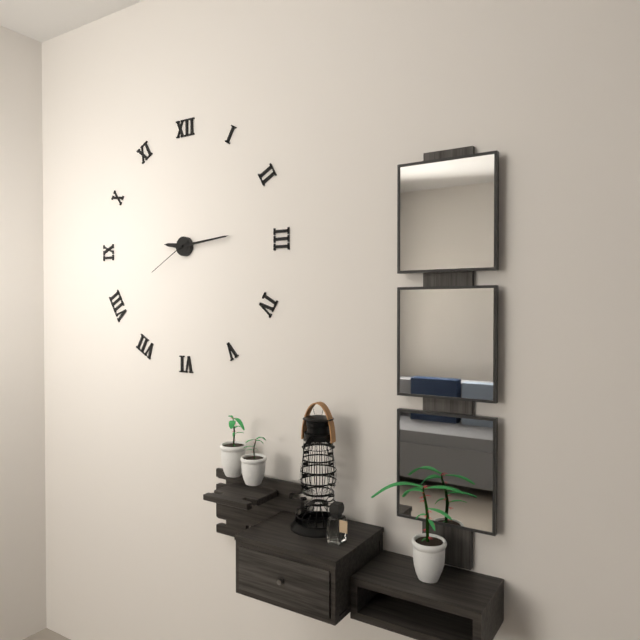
9:14:40
